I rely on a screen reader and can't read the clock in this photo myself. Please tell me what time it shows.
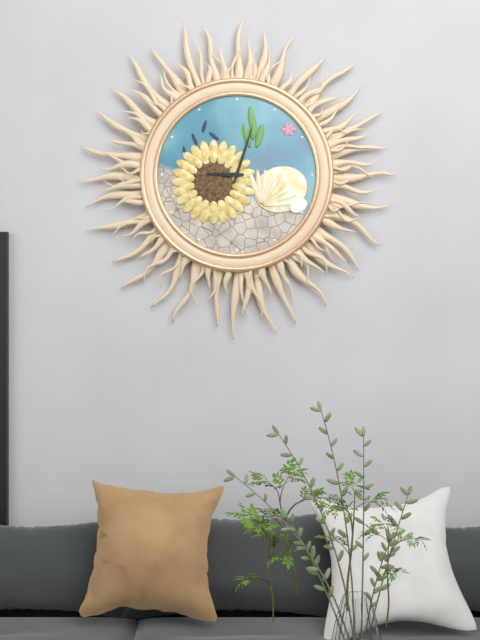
9:03
